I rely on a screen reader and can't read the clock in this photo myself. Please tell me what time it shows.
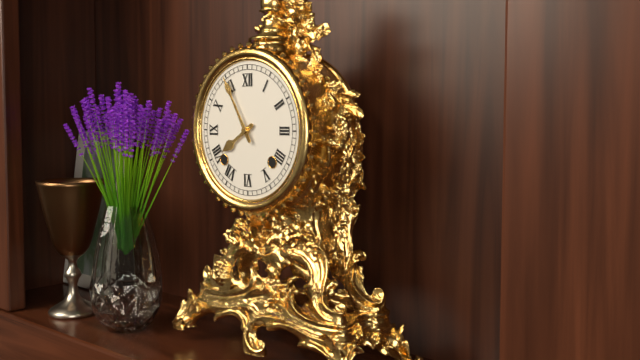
7:55
